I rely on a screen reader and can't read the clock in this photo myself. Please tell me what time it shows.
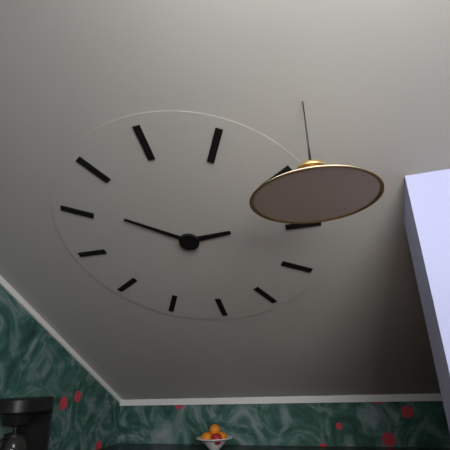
2:51
